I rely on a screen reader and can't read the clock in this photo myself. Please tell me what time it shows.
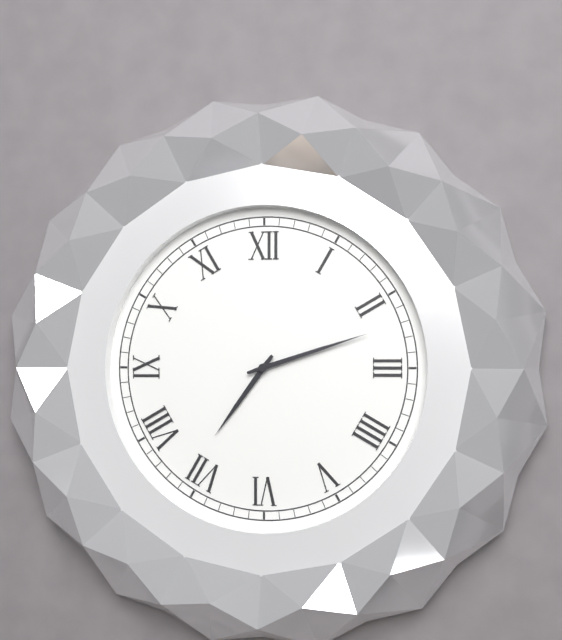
7:12
